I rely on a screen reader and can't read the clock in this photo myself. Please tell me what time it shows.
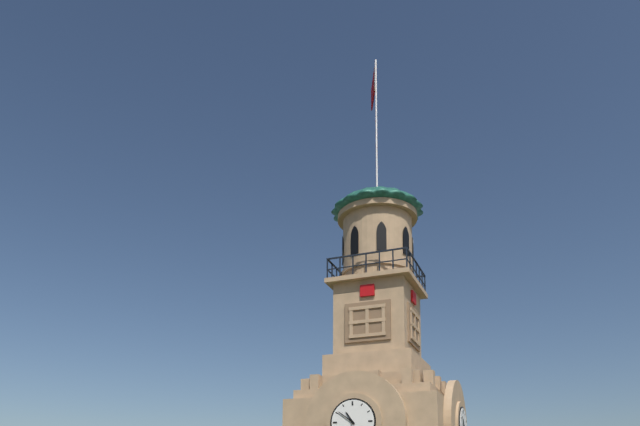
10:51
